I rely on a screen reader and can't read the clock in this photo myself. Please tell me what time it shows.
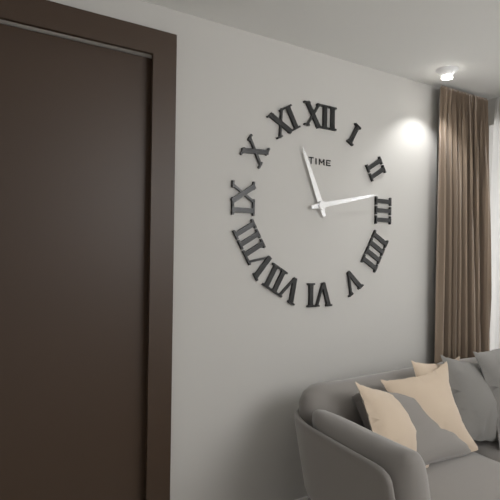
11:13
